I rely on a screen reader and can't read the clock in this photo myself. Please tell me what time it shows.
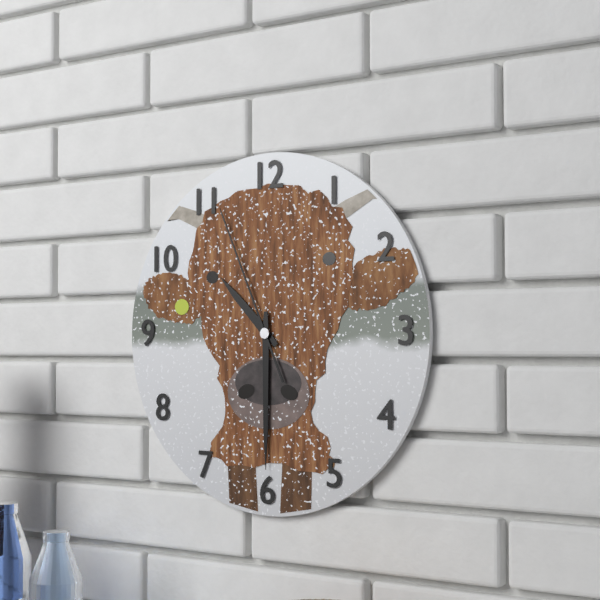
10:30:56
